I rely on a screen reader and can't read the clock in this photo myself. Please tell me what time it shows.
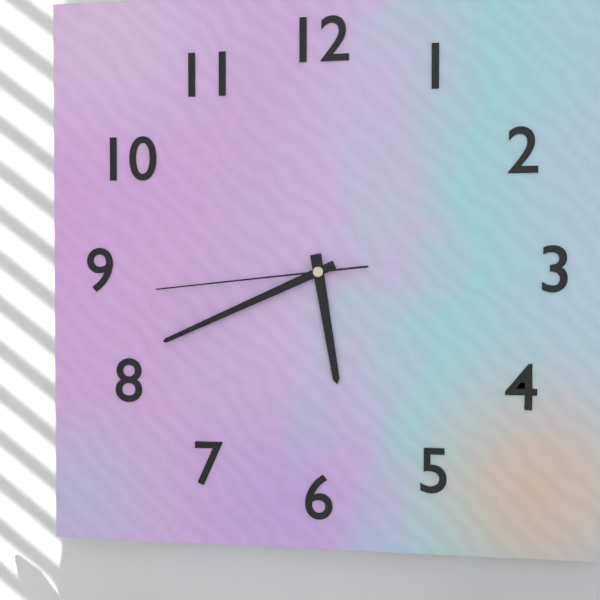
5:41:44
